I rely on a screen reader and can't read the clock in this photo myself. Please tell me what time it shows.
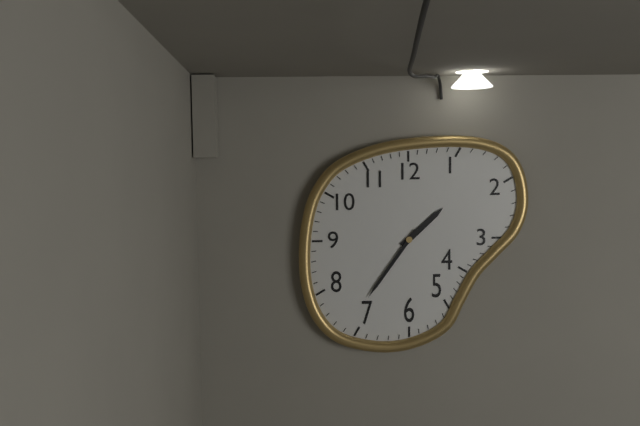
1:36
